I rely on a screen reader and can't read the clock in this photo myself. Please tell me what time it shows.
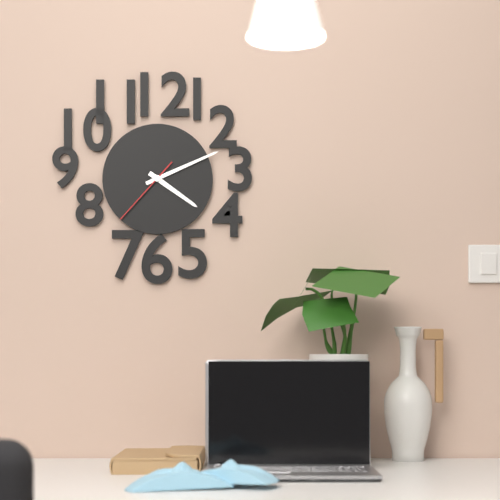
4:11:37
